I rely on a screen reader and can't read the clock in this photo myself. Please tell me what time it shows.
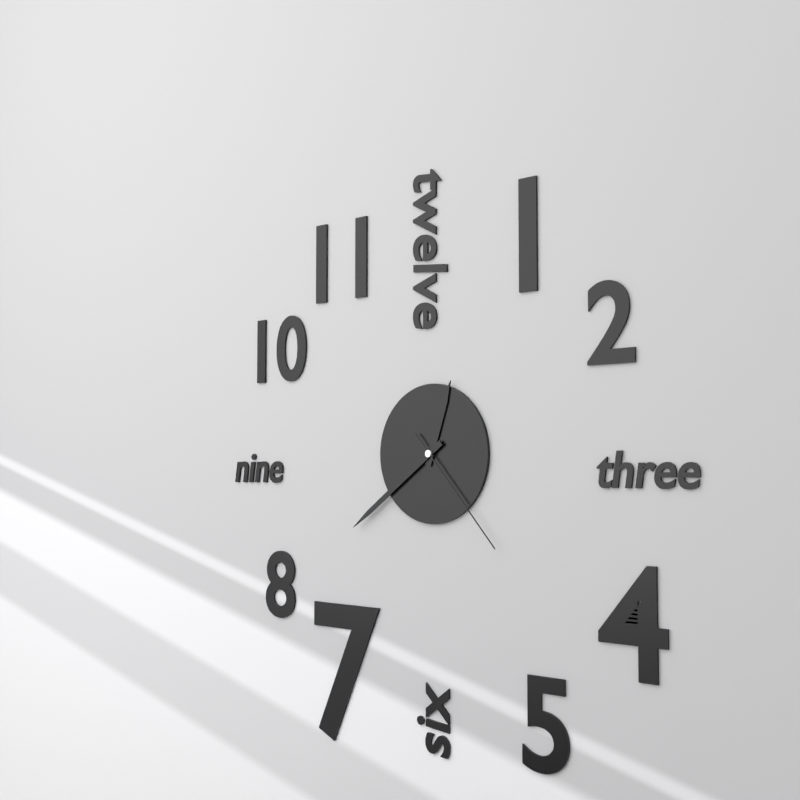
12:39:23
